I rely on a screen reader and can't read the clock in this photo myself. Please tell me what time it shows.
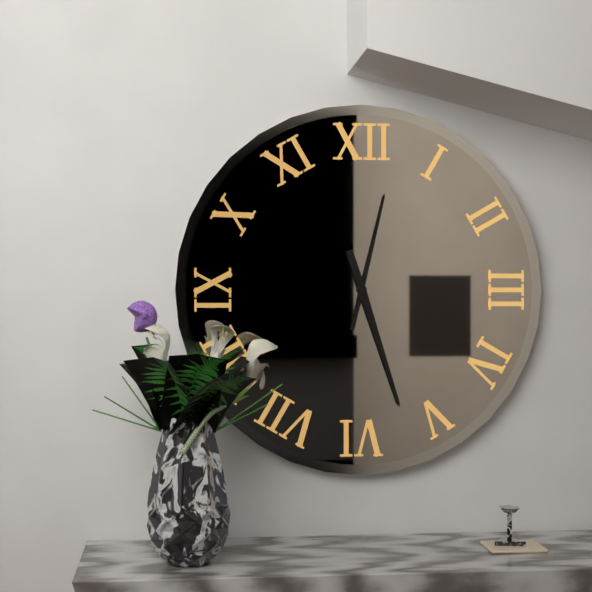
12:27
